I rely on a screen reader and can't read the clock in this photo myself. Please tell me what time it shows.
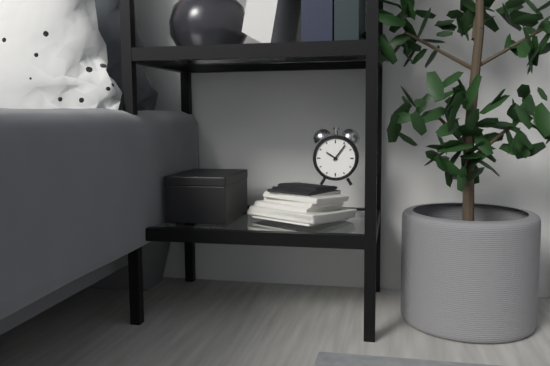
10:06
